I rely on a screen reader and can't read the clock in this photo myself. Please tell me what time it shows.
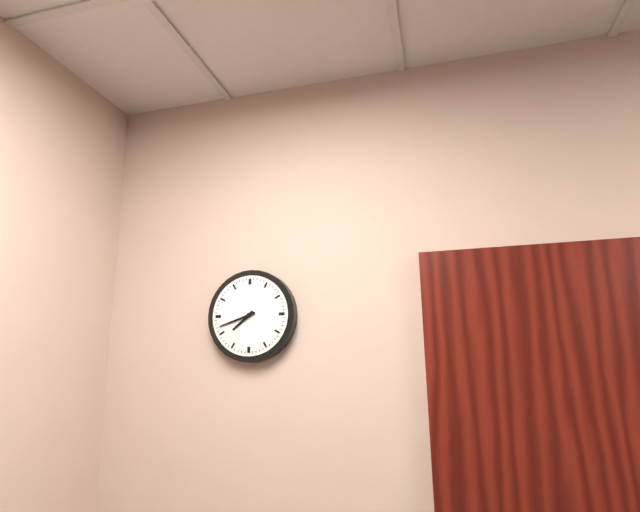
7:42
